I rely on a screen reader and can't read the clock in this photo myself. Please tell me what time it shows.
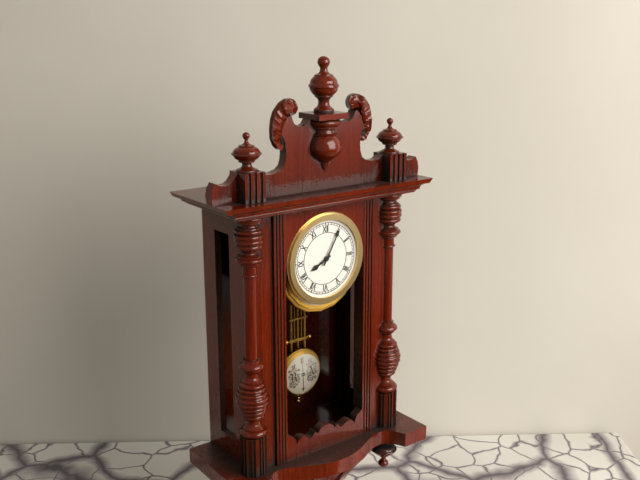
8:05
